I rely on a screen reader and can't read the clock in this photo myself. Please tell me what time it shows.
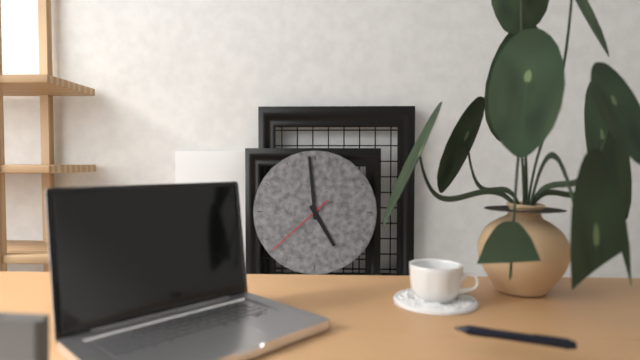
4:59:38
